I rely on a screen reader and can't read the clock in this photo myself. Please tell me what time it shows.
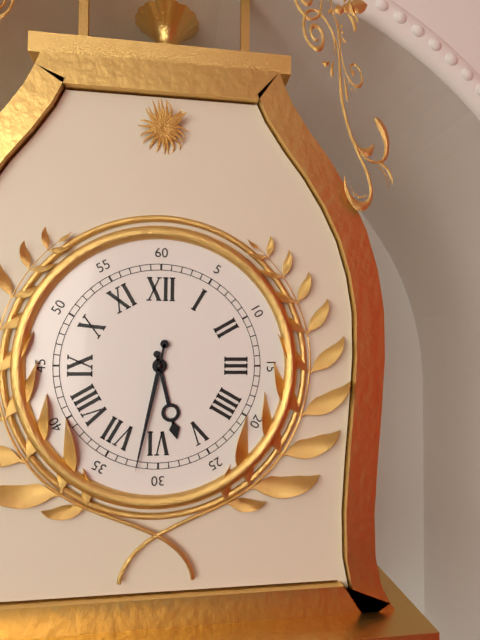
5:32
